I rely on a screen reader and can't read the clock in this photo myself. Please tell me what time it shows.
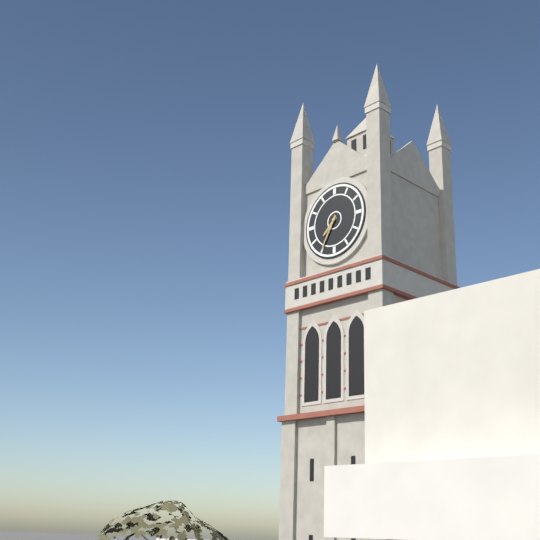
7:35
